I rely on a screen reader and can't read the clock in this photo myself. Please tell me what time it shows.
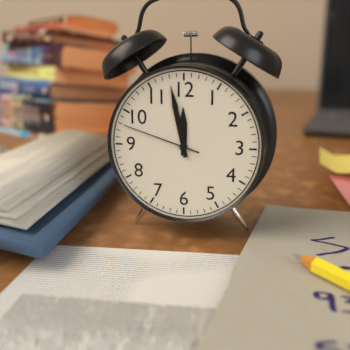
11:58:48
